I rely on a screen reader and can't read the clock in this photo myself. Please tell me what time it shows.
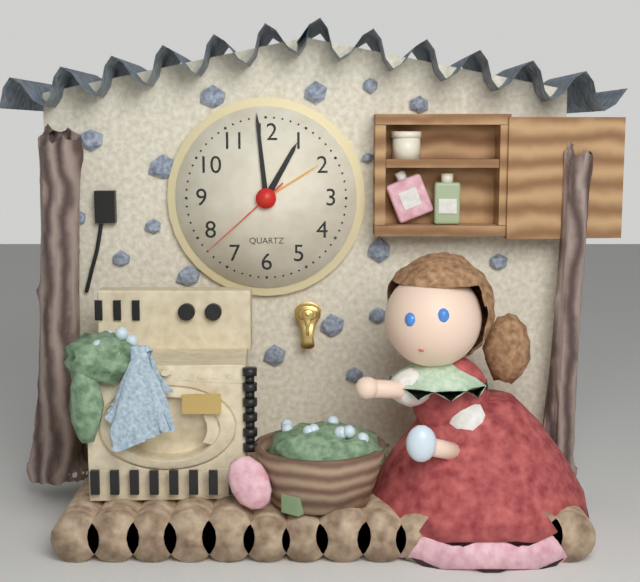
12:59:38
